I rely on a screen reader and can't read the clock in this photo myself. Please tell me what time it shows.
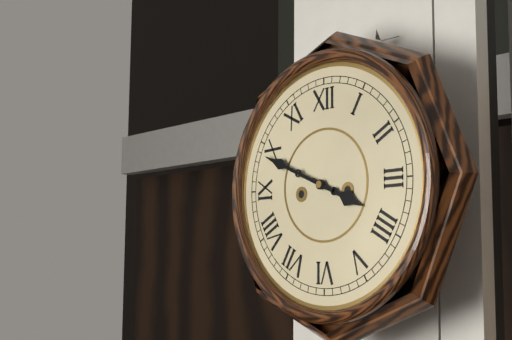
3:49
